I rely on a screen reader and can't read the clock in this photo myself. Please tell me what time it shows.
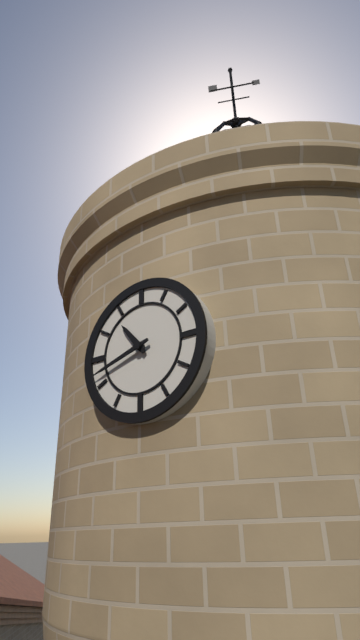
10:42
